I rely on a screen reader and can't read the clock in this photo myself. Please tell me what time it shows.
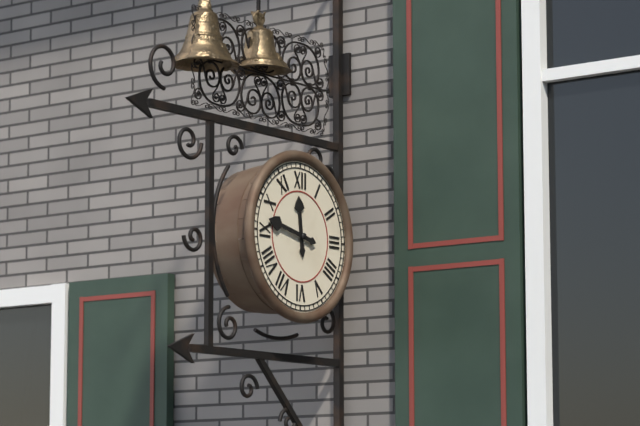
11:47
